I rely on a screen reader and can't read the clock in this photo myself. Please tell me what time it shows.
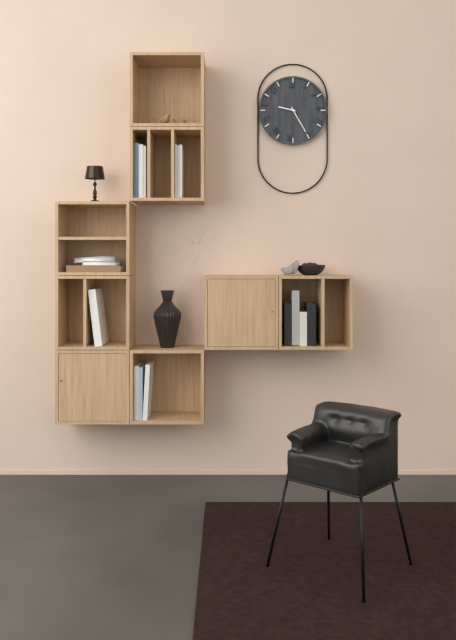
9:25
